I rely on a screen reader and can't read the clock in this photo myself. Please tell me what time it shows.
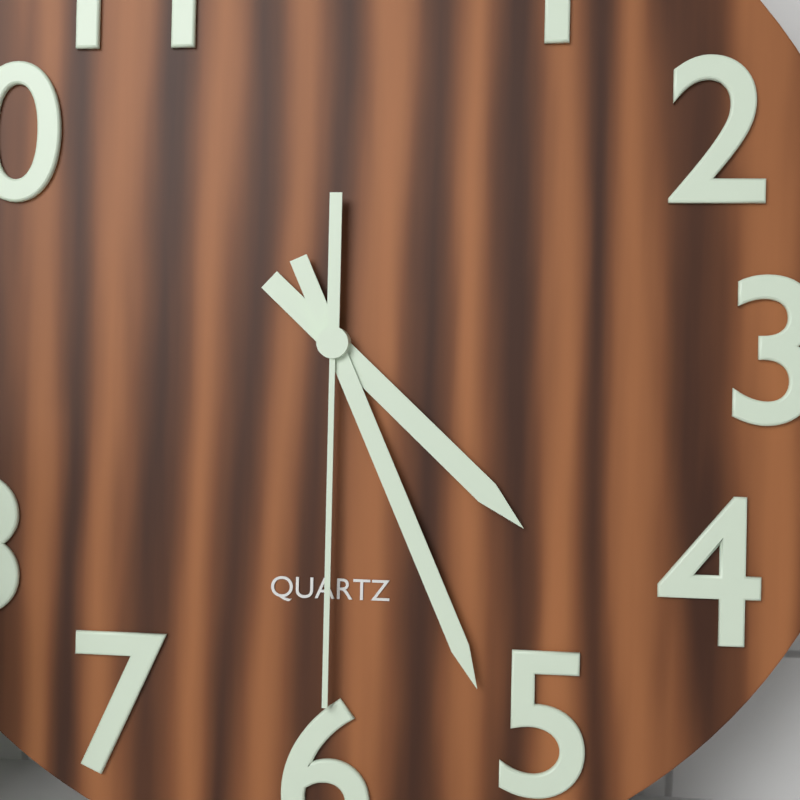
4:26:30
